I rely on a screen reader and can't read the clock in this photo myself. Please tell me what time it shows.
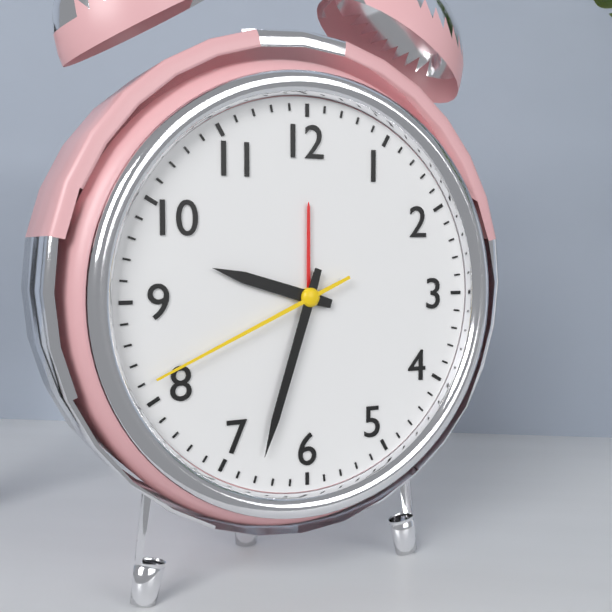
9:33:41
